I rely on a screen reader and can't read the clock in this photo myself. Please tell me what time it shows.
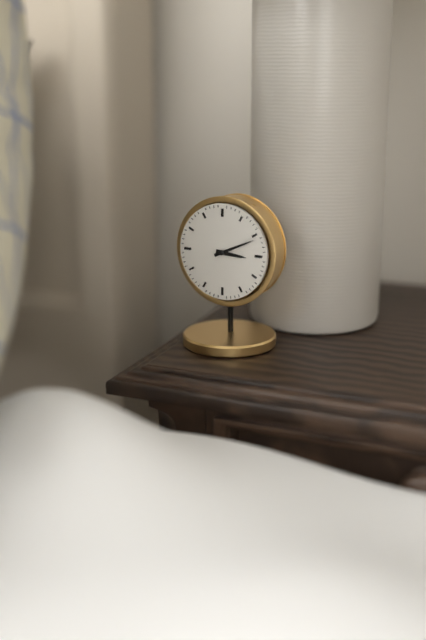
3:11
